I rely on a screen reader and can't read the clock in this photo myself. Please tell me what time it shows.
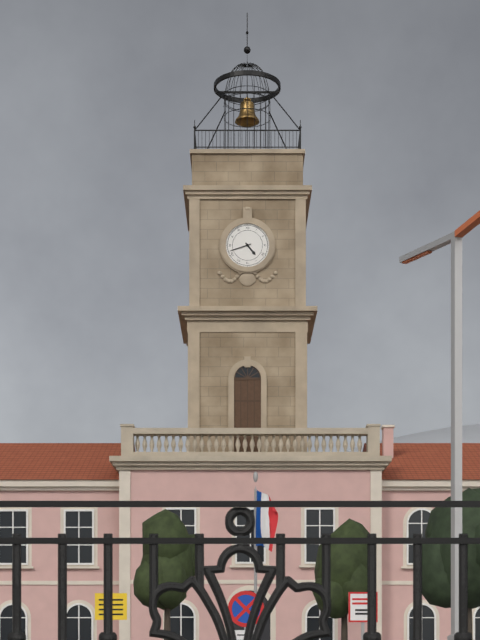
4:42
